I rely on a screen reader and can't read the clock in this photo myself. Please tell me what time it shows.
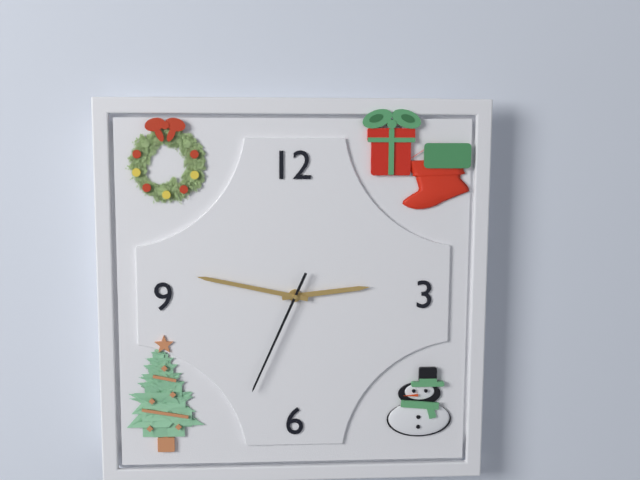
2:47:34
